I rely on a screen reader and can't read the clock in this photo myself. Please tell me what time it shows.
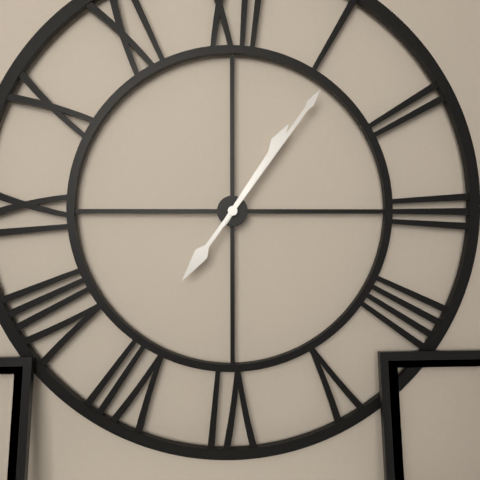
1:06
